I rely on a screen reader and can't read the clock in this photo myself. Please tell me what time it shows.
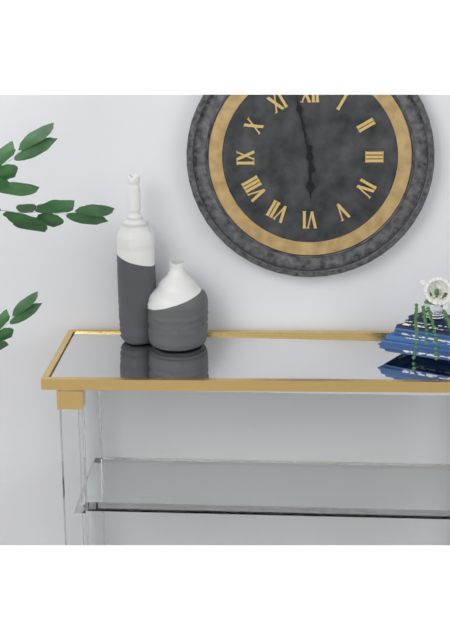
5:58
